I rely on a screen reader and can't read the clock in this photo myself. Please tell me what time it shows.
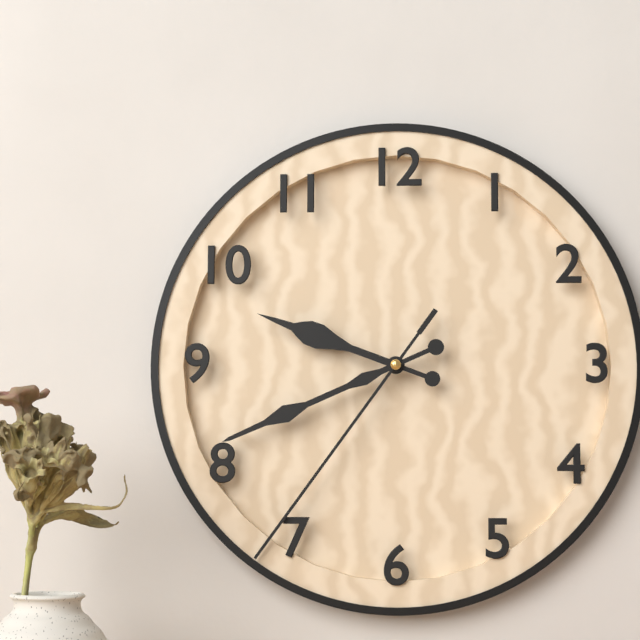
9:41:36
